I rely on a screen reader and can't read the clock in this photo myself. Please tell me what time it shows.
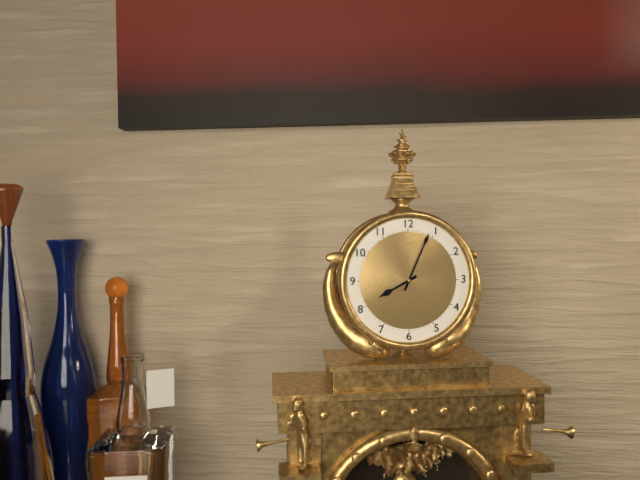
8:04
